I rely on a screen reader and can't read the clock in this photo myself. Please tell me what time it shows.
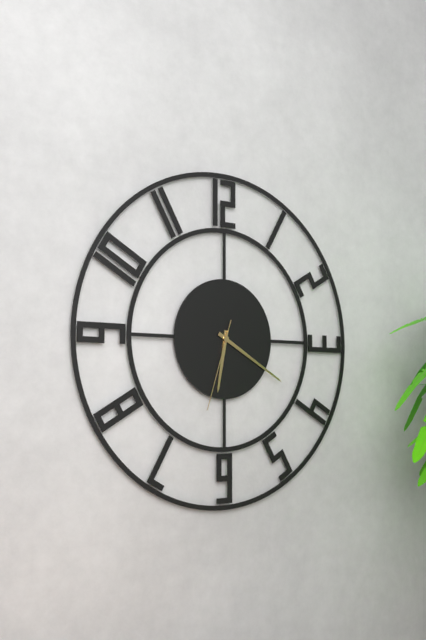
6:20:33
